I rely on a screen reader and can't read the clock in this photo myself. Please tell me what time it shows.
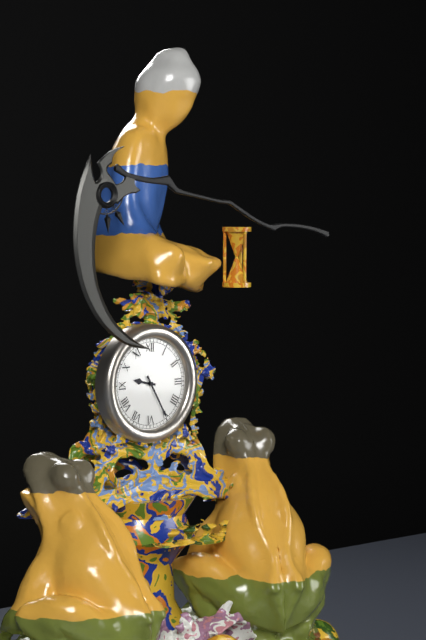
9:25
